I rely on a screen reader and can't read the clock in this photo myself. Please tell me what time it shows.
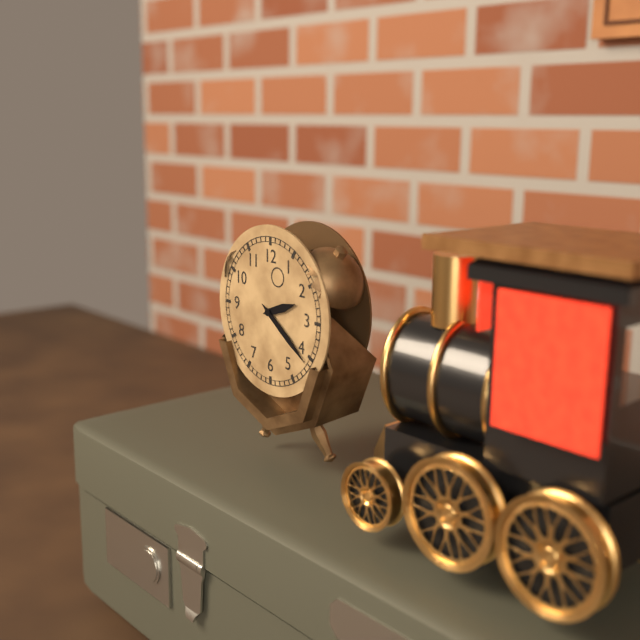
2:21
